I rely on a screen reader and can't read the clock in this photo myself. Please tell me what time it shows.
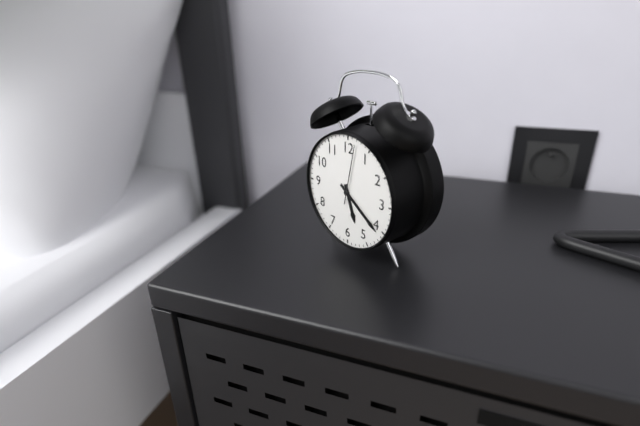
5:21:02
